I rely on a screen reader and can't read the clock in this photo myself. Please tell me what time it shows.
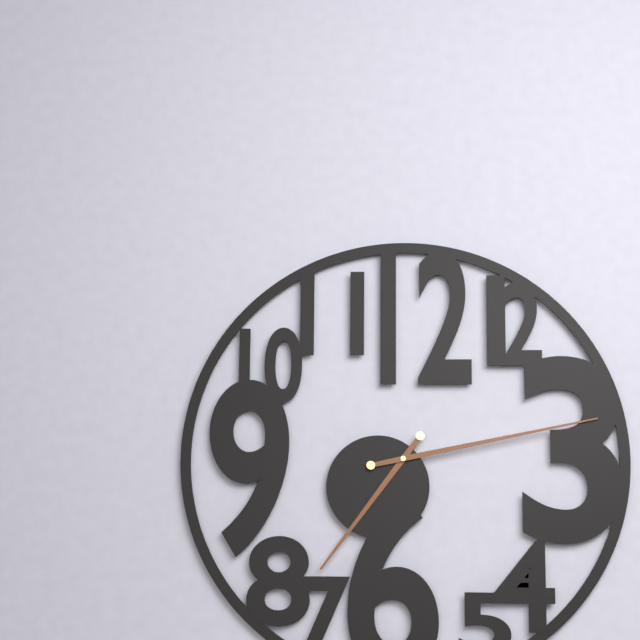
7:13
